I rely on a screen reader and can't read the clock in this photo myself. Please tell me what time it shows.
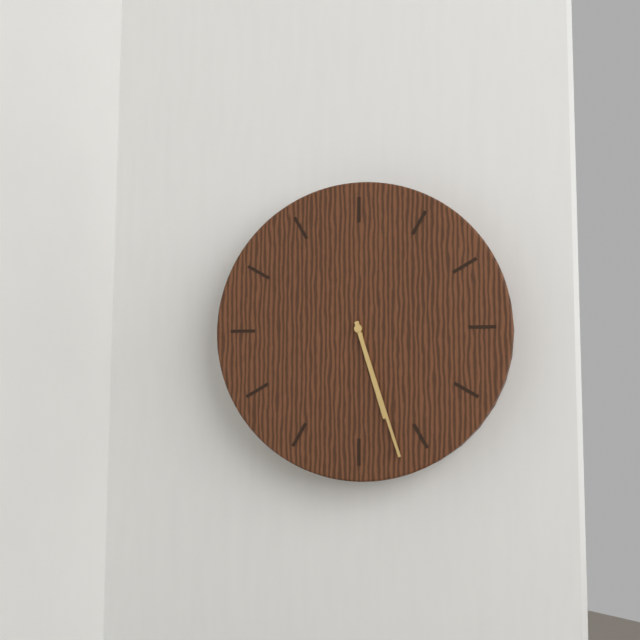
5:27
